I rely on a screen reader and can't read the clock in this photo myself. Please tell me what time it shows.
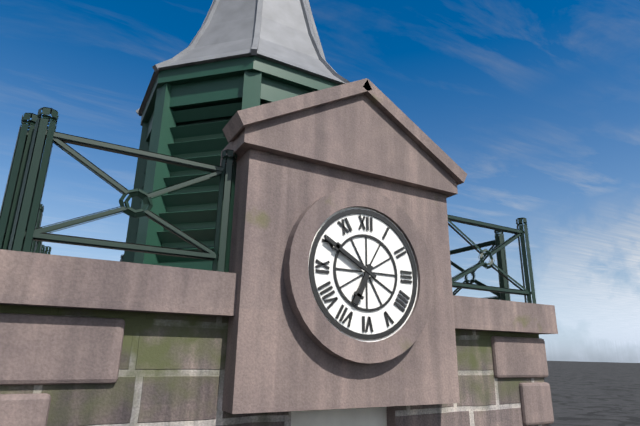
6:50
